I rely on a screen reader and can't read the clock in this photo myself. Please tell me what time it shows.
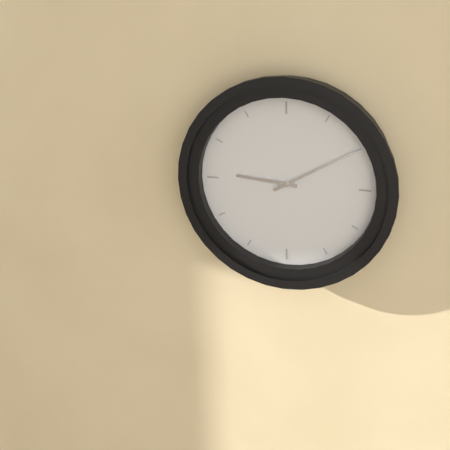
9:10
